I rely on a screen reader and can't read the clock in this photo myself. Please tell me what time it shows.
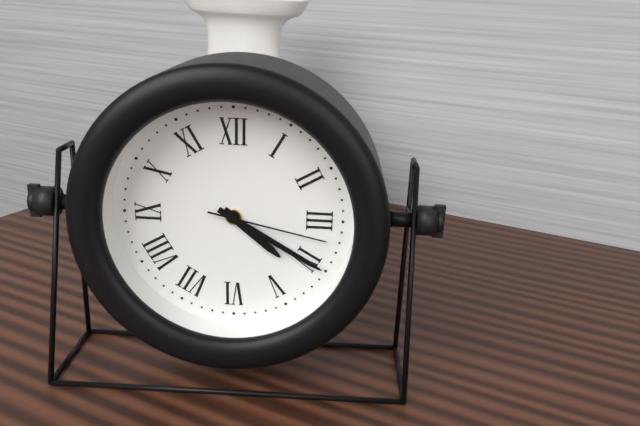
4:20:17
